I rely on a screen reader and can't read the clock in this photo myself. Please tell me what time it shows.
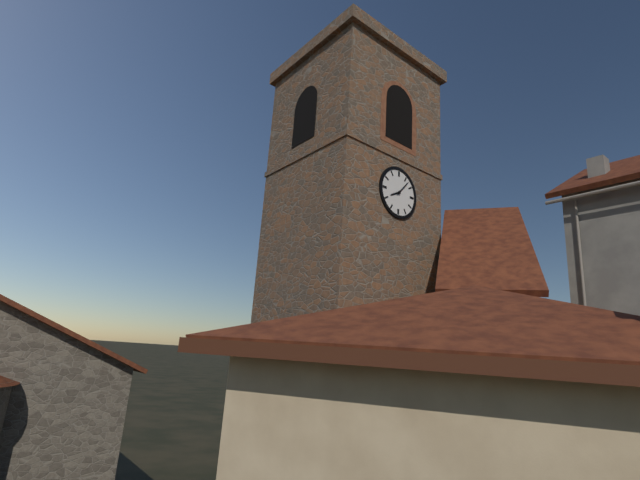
8:07
